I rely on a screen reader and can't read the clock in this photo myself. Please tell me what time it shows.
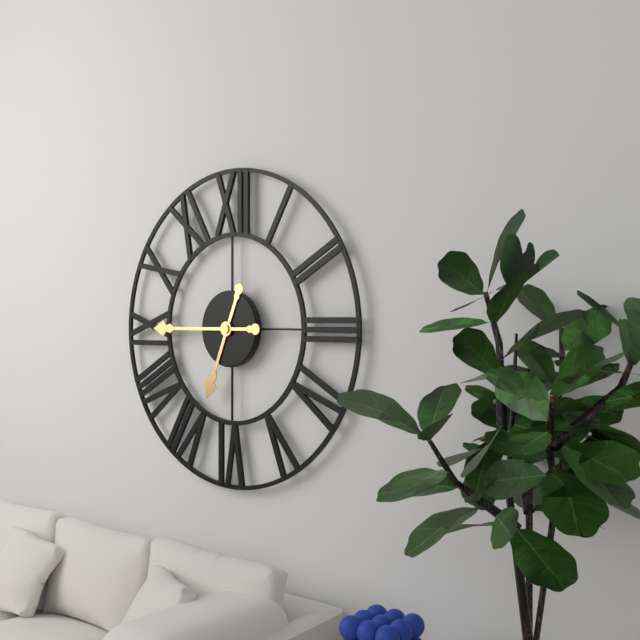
6:45
